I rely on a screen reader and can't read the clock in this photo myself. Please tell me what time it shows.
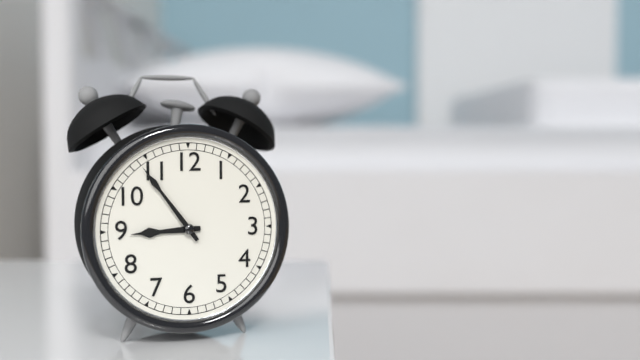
8:54
